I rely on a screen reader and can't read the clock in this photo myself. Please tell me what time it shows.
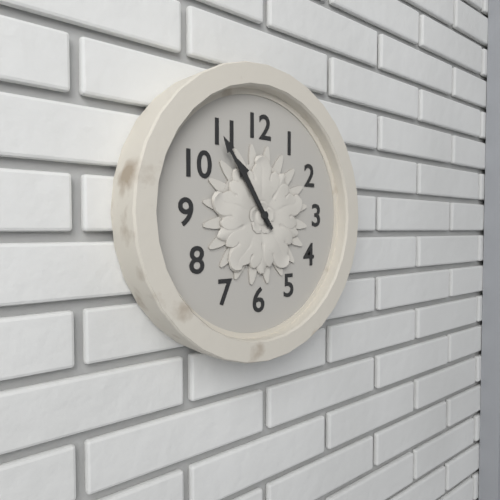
10:54
